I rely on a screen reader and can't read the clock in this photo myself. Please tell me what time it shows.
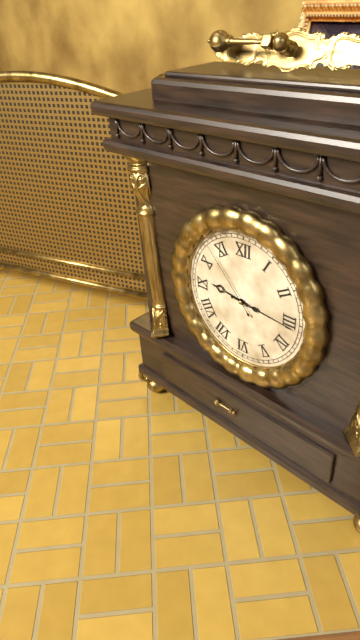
9:16:53
